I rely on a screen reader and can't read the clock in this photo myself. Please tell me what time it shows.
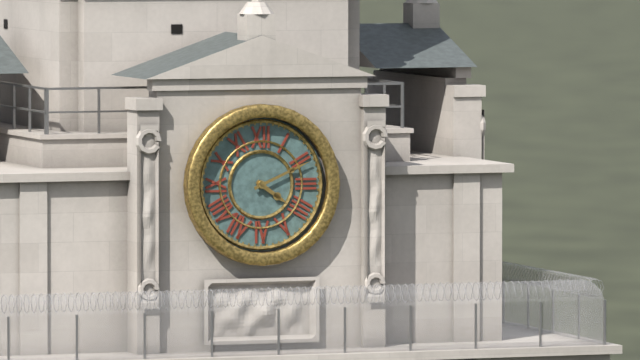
4:11
